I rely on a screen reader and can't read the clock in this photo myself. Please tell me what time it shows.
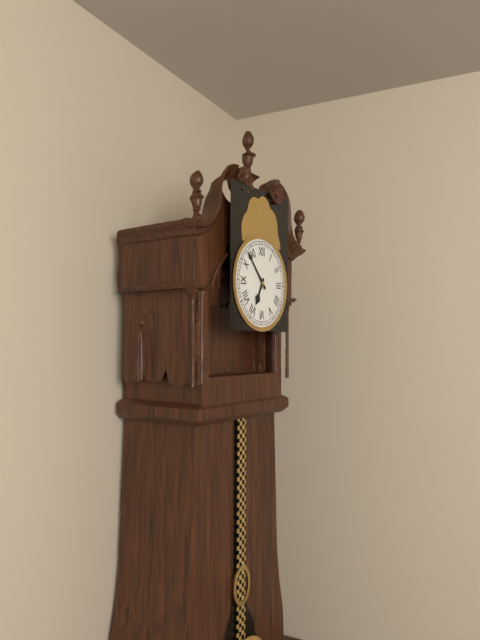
6:53
